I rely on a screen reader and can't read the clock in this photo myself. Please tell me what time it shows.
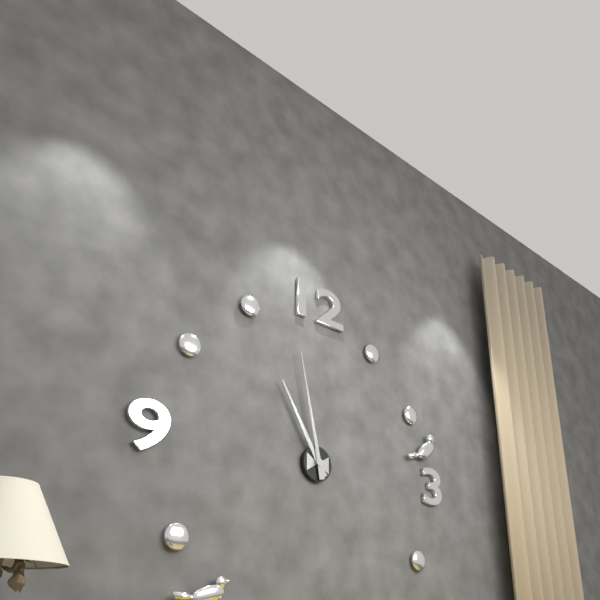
10:58
